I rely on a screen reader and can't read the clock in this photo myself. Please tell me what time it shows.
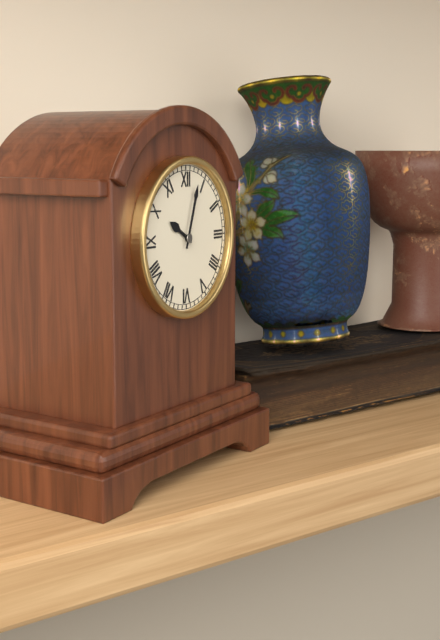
10:03
